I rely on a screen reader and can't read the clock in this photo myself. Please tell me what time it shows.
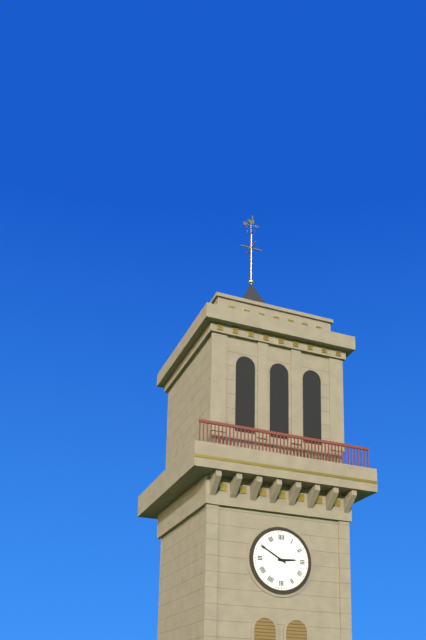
2:50
